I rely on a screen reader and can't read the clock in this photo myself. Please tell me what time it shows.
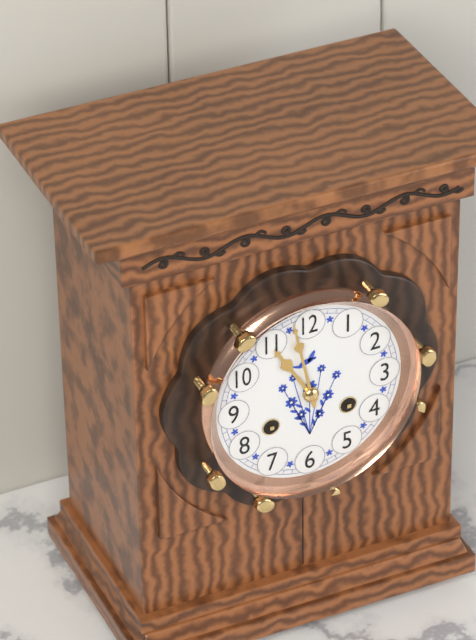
10:58
